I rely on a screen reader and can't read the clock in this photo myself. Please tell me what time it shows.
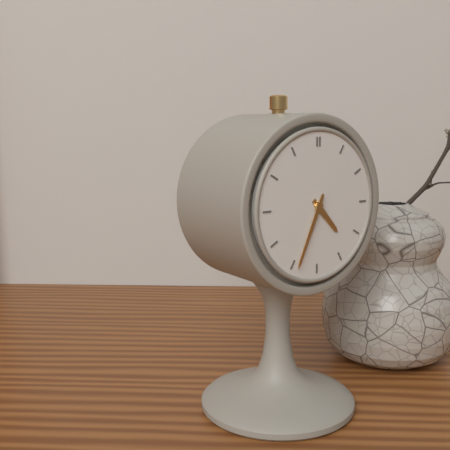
4:34
